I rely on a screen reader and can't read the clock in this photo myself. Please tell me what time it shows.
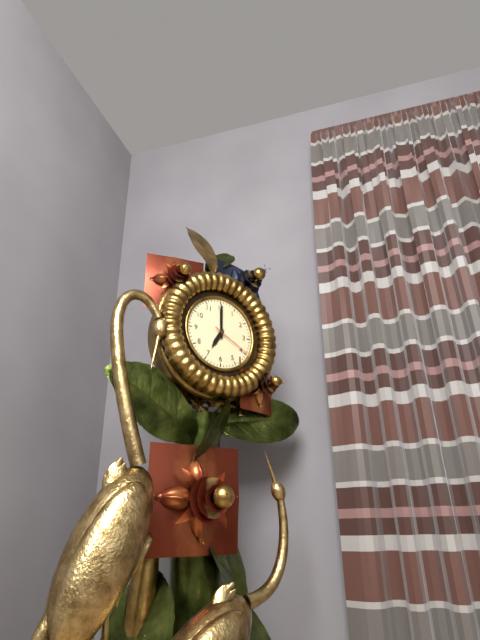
7:00
